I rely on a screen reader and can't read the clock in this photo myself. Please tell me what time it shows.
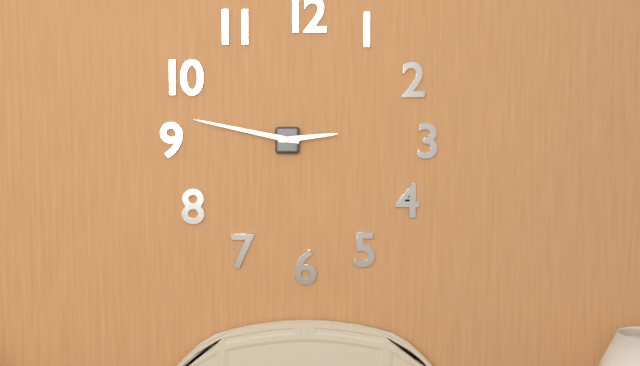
2:47
